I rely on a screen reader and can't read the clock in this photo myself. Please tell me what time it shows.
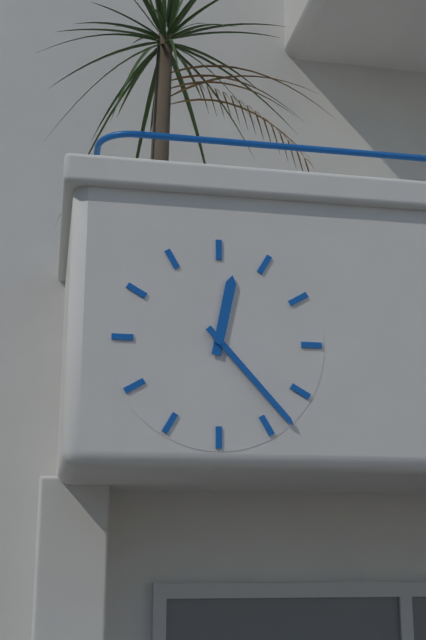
12:23
